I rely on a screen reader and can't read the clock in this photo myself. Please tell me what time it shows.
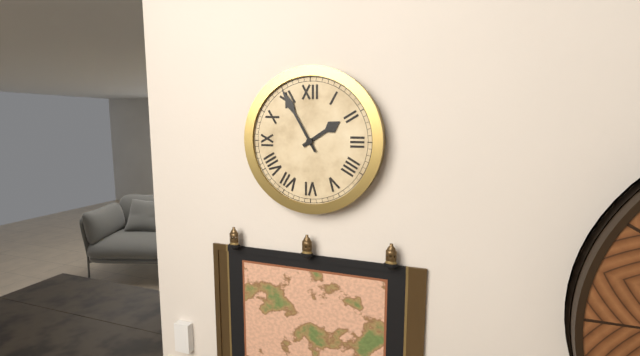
1:55
